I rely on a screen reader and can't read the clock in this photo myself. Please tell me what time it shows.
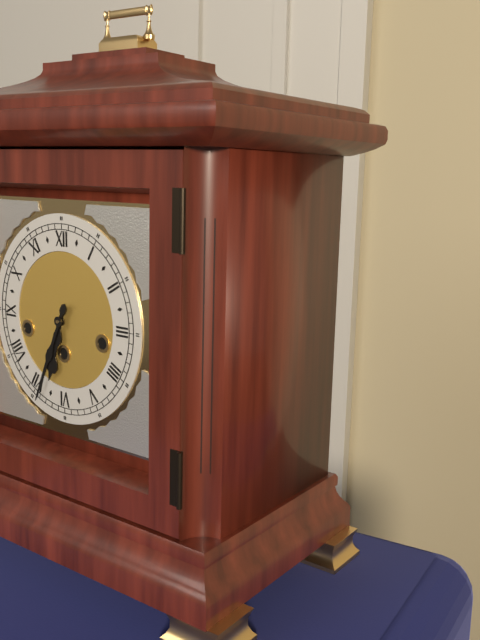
6:34
